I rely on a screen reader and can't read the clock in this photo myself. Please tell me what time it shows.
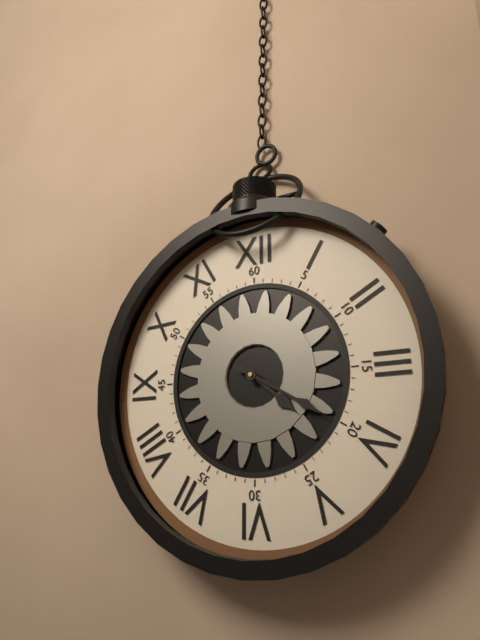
4:20
